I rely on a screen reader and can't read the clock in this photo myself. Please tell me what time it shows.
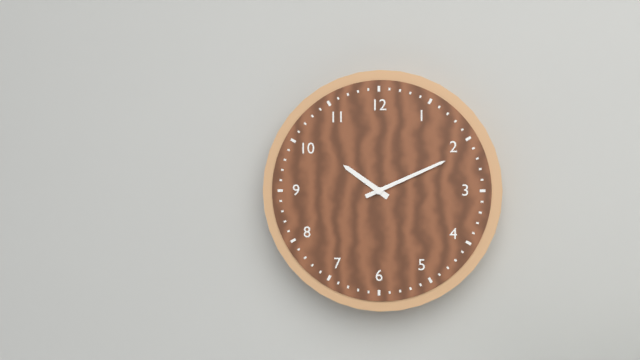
10:11
